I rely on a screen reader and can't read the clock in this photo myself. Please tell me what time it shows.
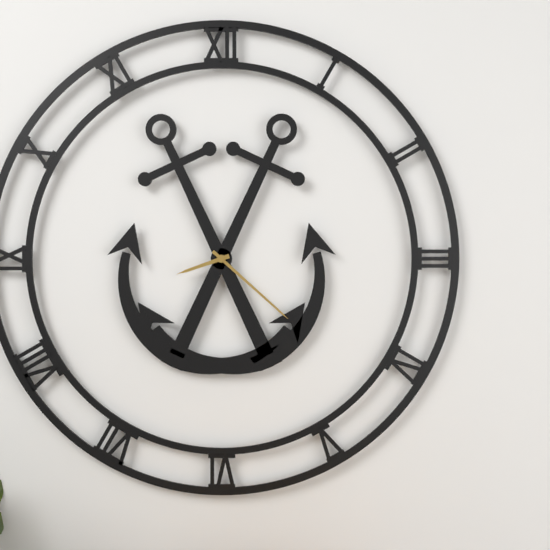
8:22
